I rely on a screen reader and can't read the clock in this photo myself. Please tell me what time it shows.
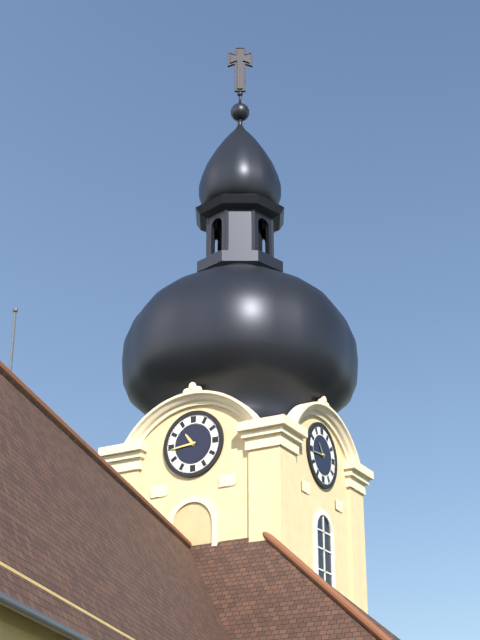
10:44
